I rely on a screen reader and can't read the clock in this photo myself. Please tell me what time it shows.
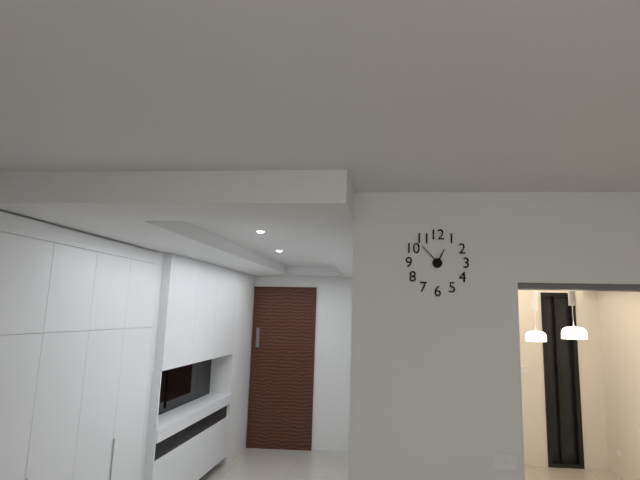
12:53
